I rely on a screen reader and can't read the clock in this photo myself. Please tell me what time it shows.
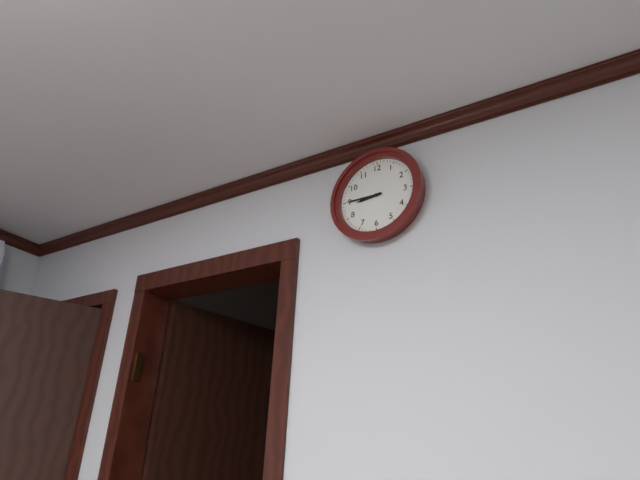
8:45
